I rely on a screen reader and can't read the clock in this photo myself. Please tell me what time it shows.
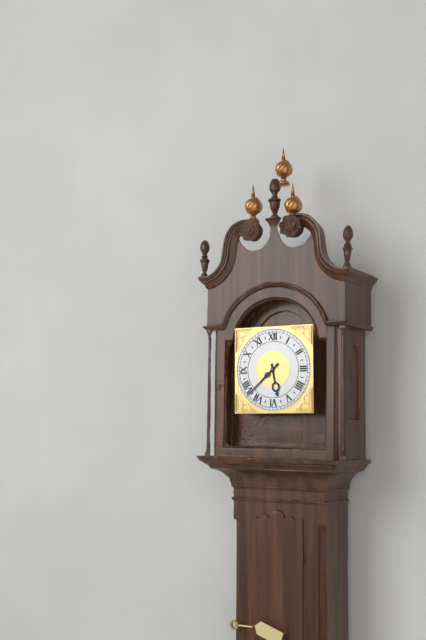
5:38
